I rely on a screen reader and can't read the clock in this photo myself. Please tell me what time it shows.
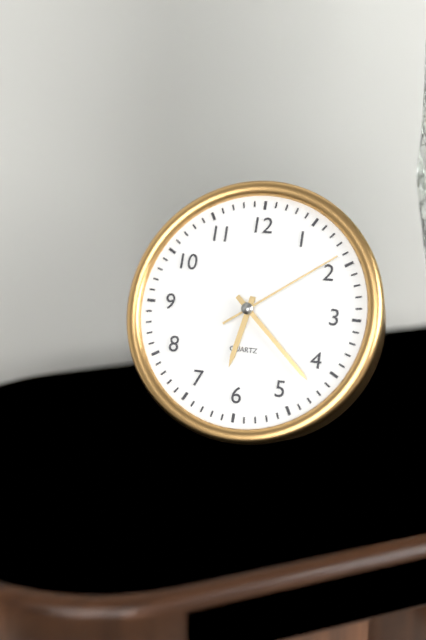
6:22:09
